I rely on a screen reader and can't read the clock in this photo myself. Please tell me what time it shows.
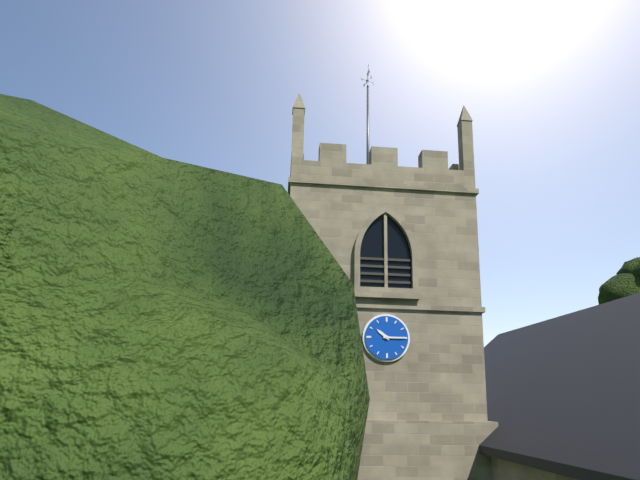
10:15
